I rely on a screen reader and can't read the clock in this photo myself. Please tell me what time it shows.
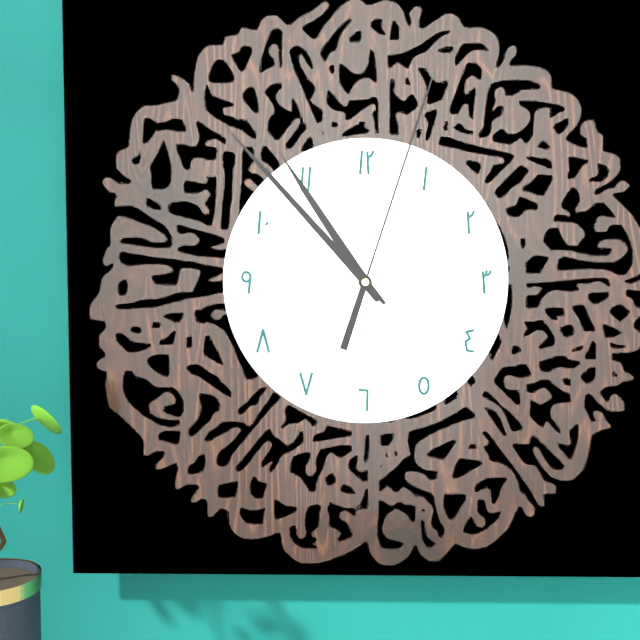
10:53:03
